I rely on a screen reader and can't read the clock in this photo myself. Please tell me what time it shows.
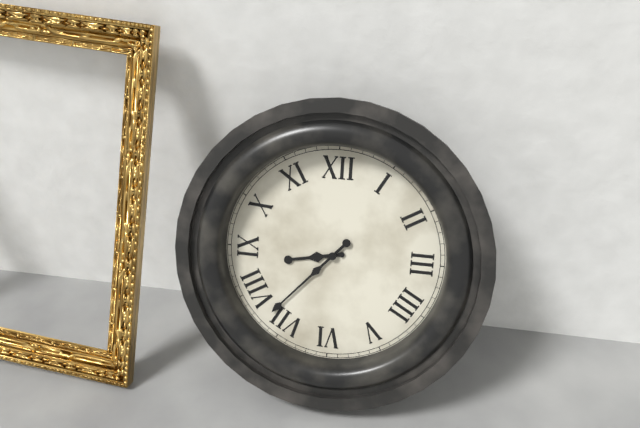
8:37
